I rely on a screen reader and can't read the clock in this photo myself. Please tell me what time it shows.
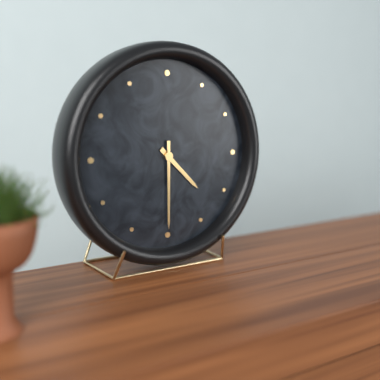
4:30
